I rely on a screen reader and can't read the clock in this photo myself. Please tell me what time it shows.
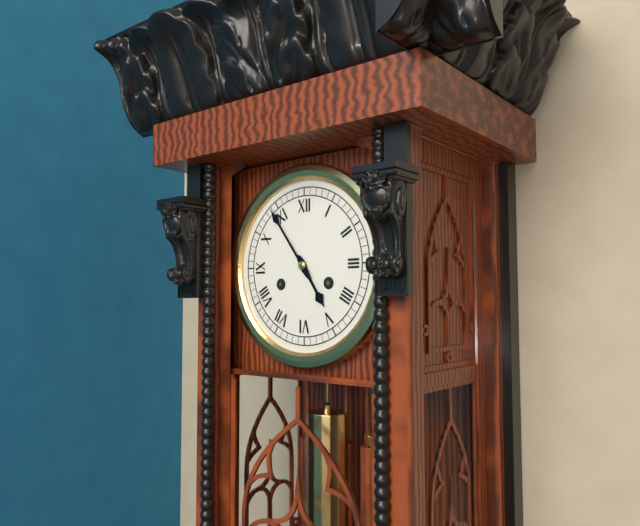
4:54
